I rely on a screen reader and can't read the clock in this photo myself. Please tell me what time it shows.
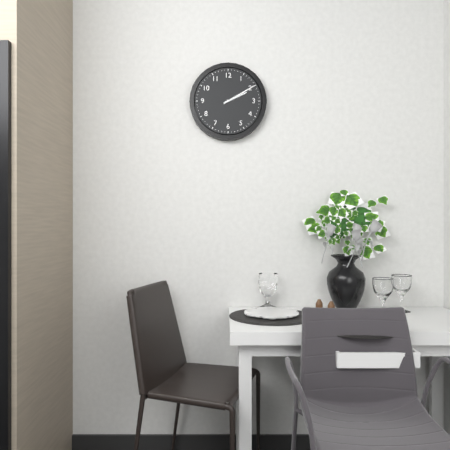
2:10
